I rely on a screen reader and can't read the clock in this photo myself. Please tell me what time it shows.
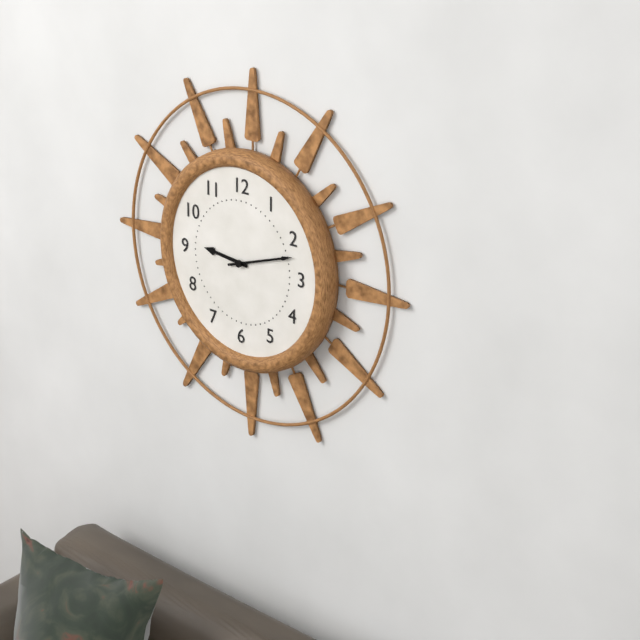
9:12
